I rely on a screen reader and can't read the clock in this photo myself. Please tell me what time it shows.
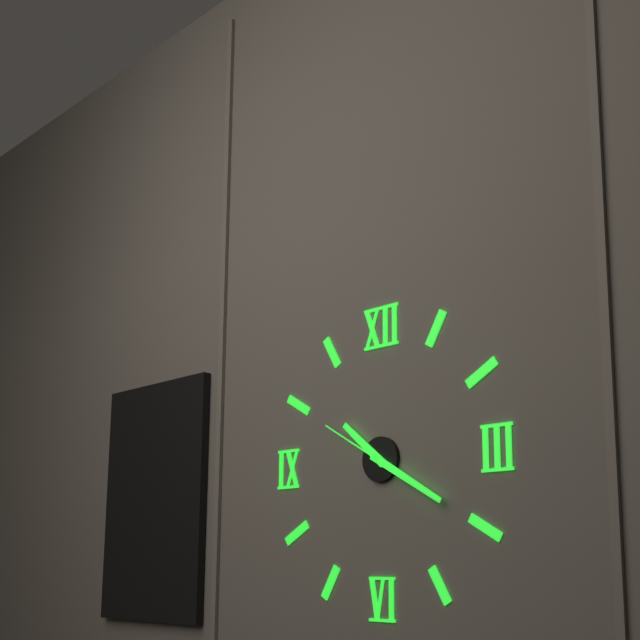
10:20:50
